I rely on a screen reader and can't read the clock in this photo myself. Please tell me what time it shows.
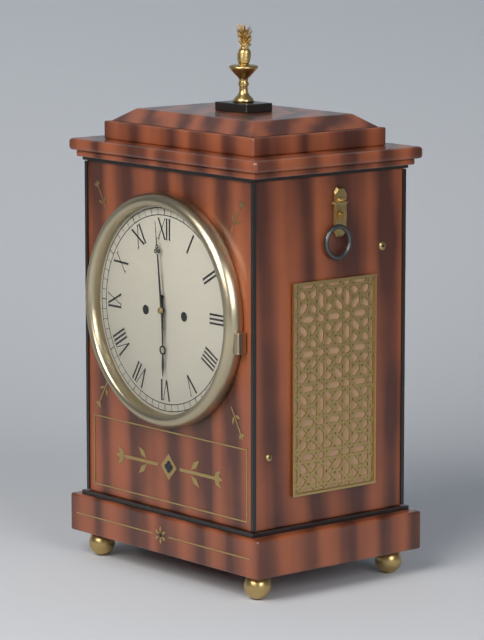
5:59
